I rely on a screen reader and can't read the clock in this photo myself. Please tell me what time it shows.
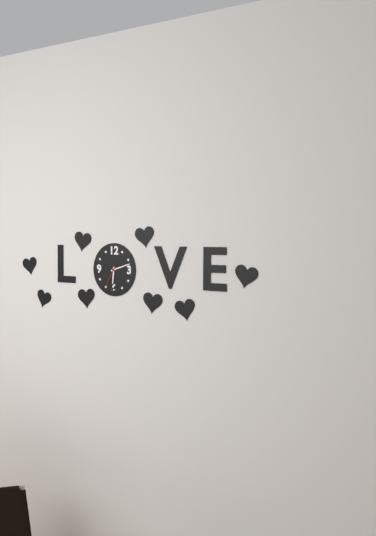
6:12
